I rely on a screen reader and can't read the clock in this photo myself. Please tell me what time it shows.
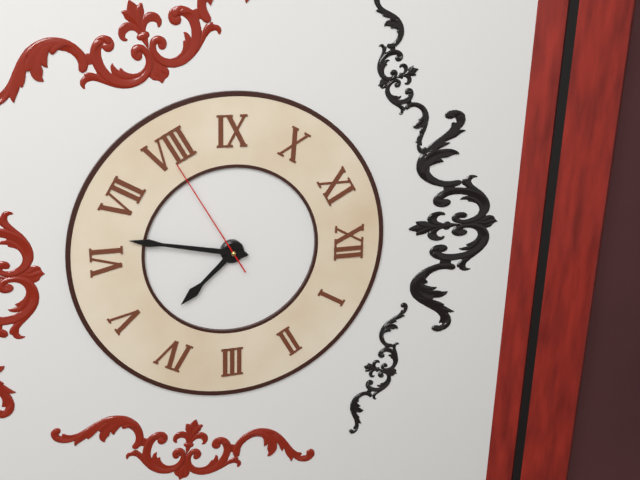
4:32:40
